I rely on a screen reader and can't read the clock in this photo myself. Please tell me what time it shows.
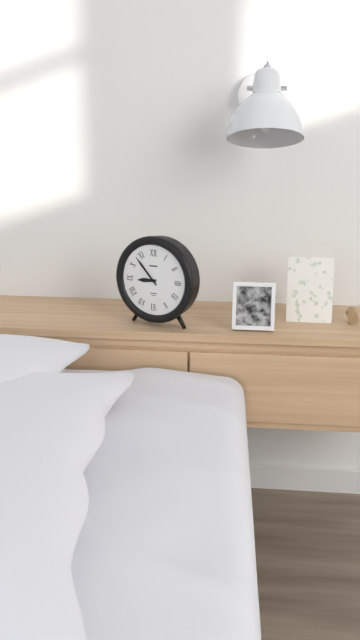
8:53
